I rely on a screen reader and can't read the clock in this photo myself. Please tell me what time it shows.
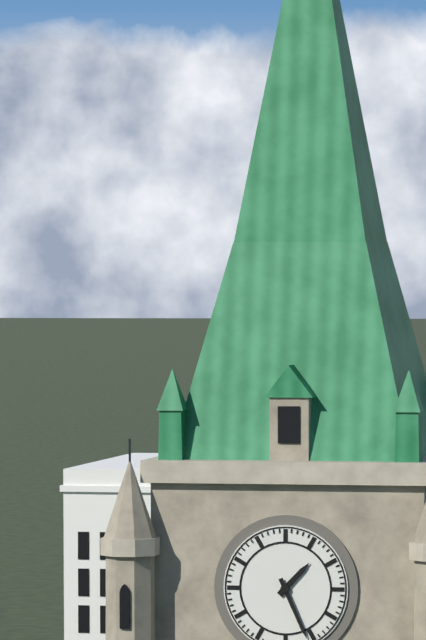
1:26
